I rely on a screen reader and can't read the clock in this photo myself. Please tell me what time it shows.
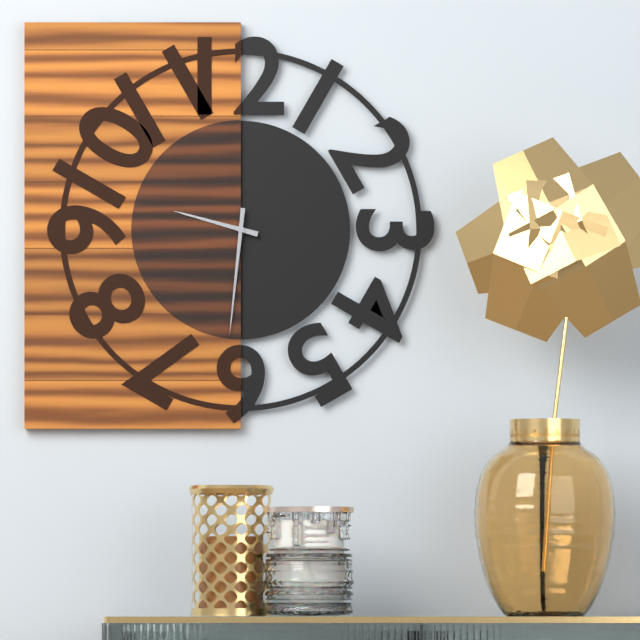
9:31
